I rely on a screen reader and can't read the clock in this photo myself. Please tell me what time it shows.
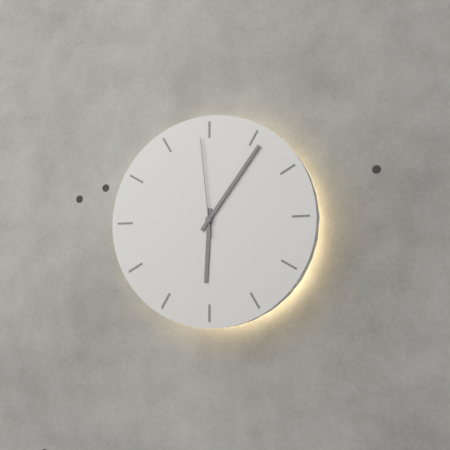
6:06:59
